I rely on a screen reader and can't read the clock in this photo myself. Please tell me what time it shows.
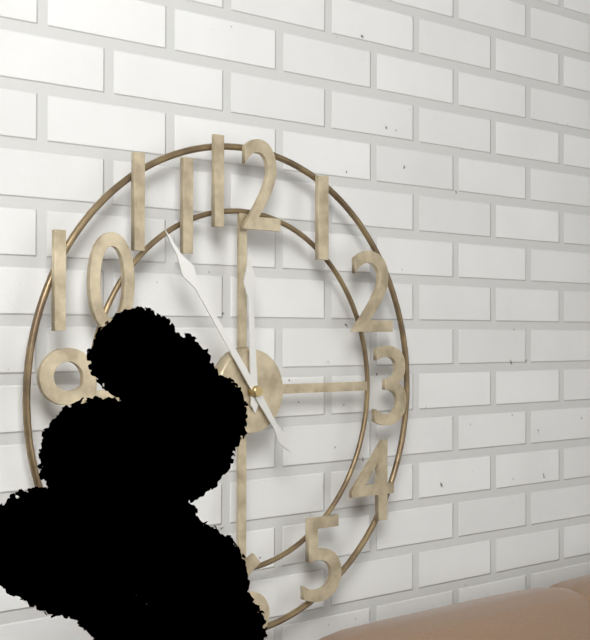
11:54
